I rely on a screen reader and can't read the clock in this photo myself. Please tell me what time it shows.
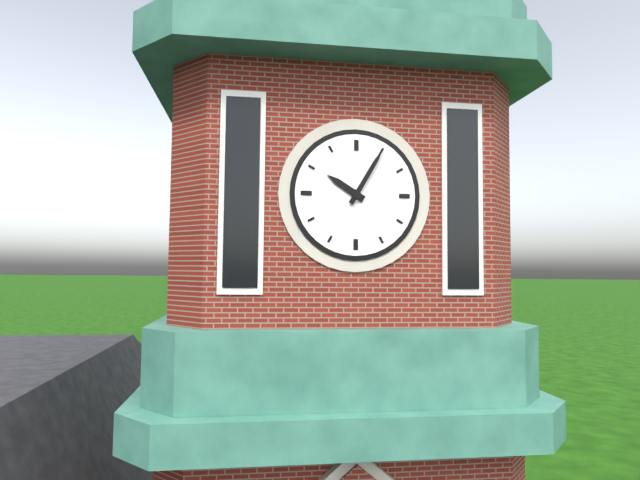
10:05
